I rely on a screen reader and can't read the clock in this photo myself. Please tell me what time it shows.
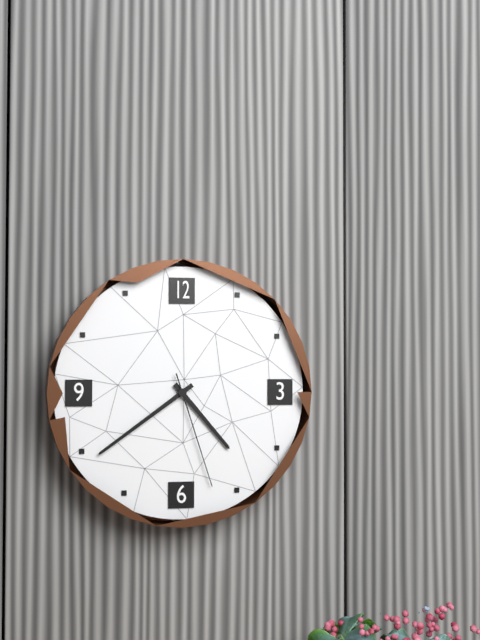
4:39:27
